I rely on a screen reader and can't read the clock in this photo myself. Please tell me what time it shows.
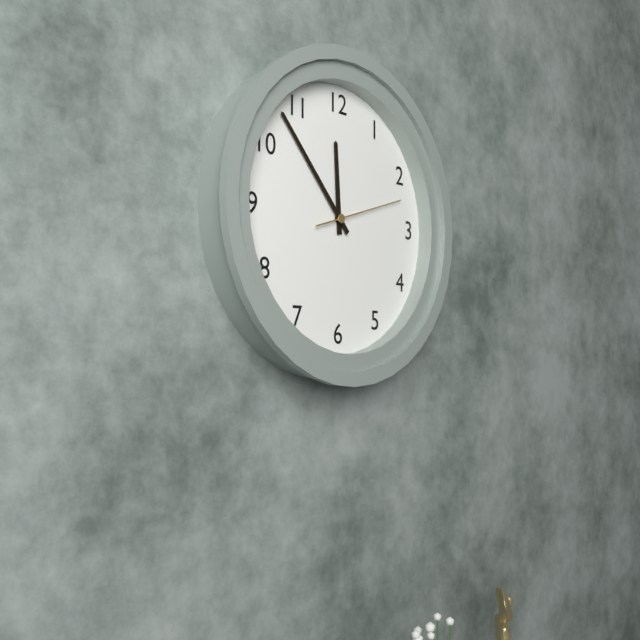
11:53:12
